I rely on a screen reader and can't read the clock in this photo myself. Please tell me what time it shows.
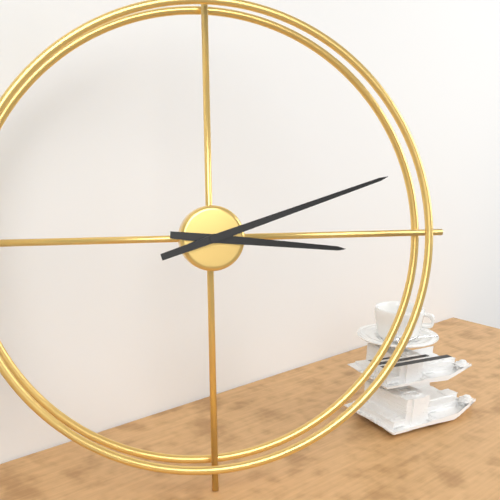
3:12
